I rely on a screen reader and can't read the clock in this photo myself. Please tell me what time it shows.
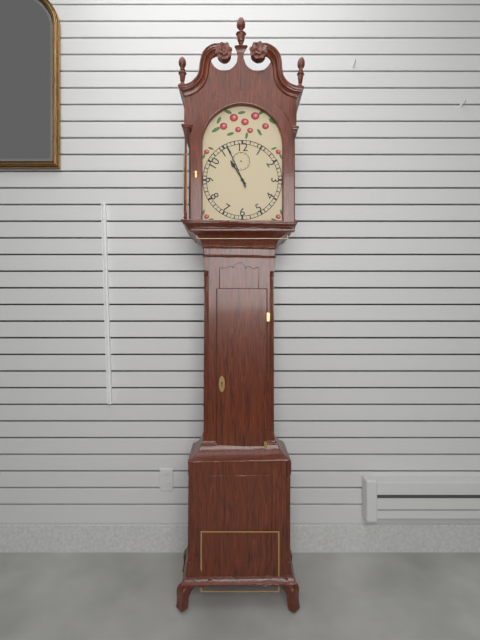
10:56
